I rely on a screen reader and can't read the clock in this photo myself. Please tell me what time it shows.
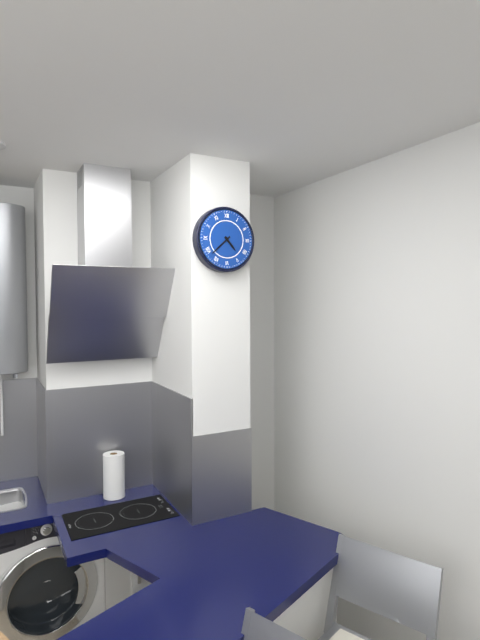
4:38
